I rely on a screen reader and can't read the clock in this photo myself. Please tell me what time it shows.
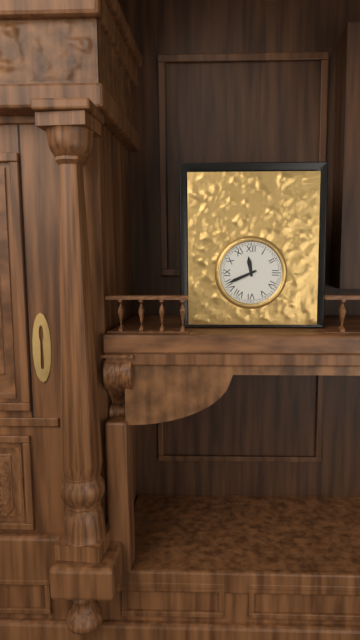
11:41
